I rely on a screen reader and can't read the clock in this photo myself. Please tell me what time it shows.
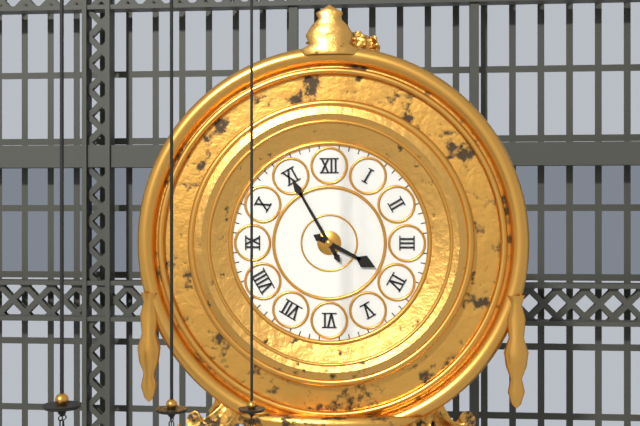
3:55
